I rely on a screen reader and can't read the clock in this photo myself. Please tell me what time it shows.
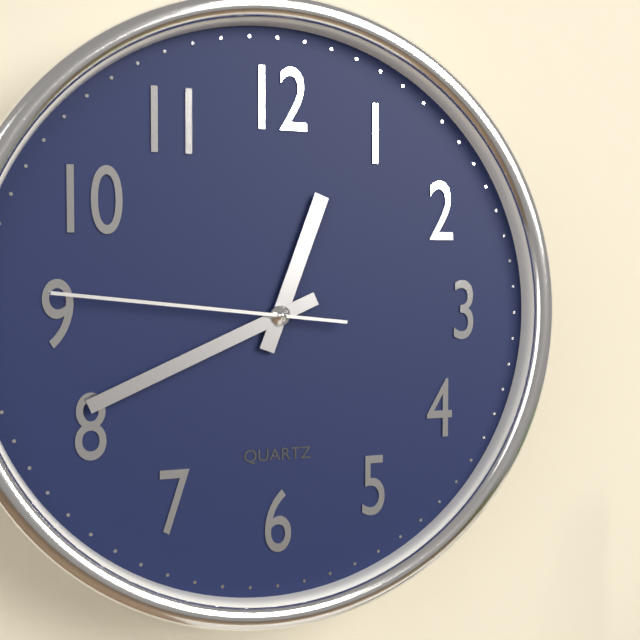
12:41:46
